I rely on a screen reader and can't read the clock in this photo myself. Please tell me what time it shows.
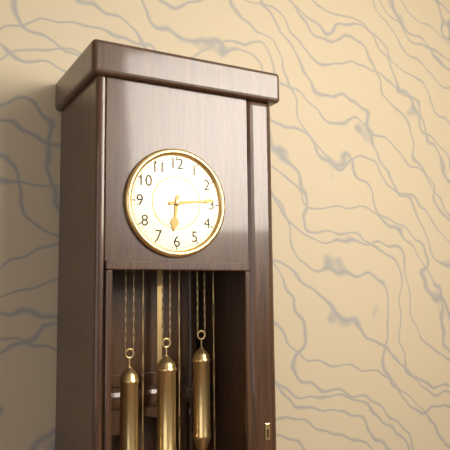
6:14
